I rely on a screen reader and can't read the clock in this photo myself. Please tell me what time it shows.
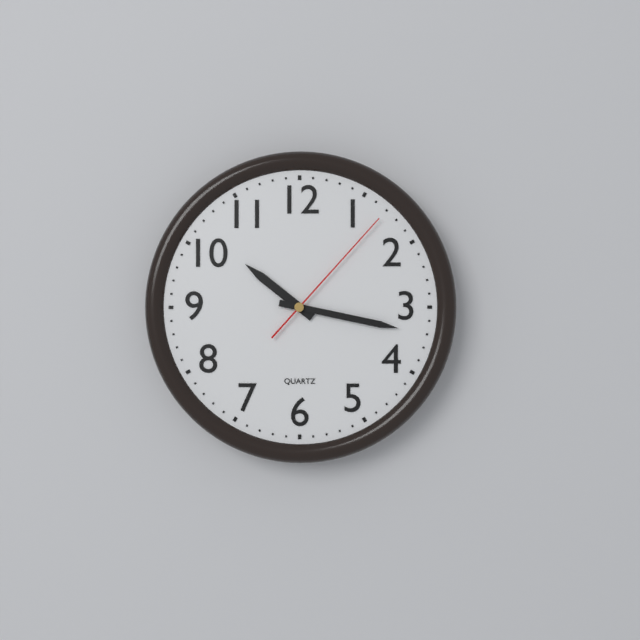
10:17:07
